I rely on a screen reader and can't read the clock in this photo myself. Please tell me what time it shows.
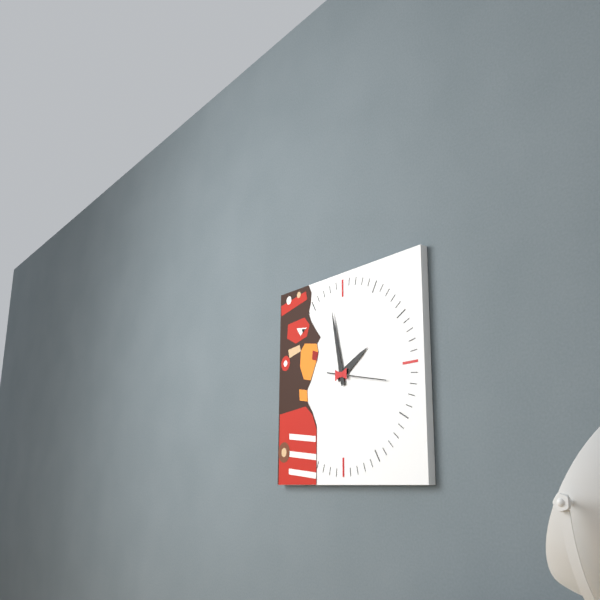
1:58:17
